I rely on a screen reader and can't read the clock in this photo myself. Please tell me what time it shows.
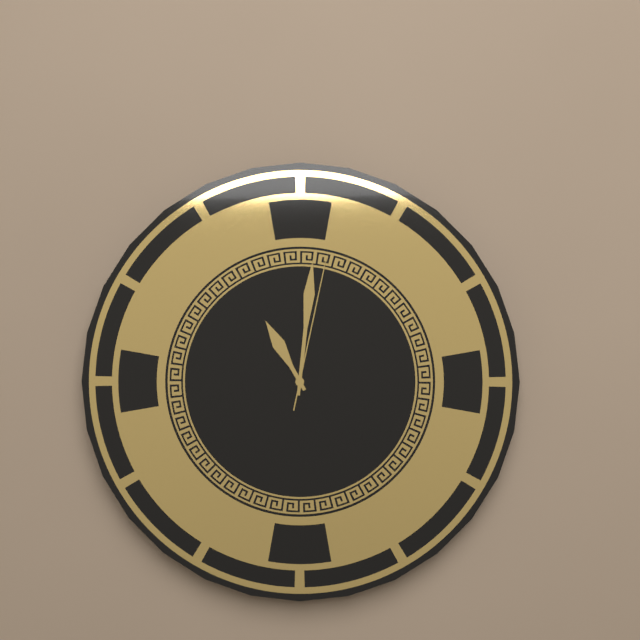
11:01:02
